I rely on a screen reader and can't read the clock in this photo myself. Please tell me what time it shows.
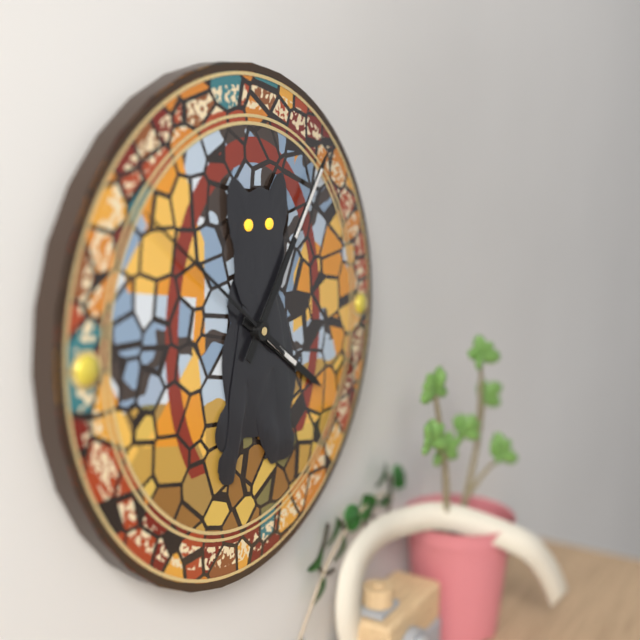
4:06:51
